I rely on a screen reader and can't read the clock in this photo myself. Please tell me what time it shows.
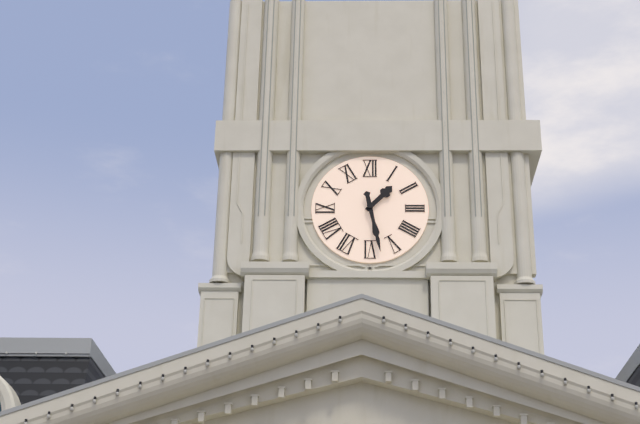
1:28
